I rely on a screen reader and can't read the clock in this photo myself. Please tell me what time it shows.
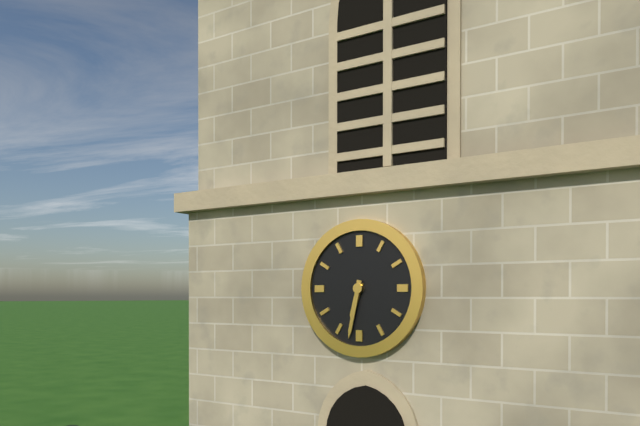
6:32
